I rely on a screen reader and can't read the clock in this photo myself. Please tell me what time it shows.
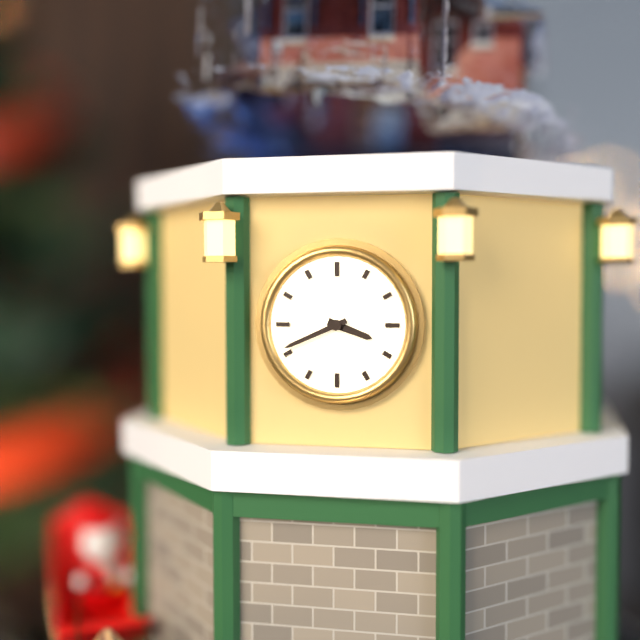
3:41
